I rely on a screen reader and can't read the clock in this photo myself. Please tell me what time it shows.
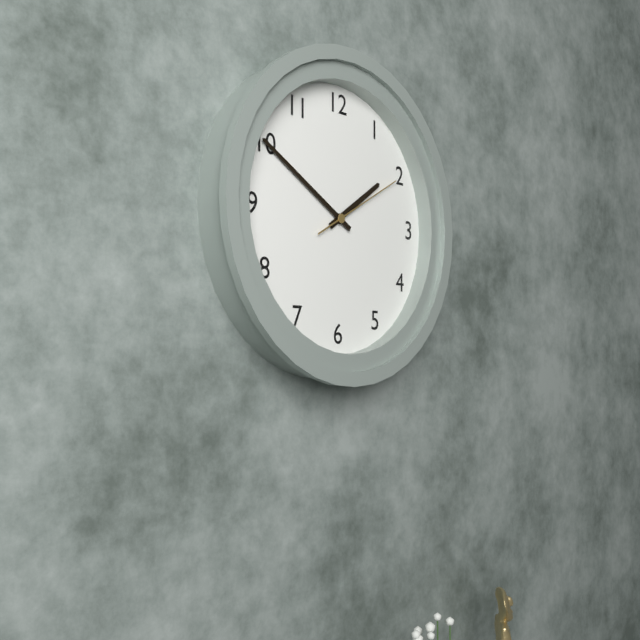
1:50:10
